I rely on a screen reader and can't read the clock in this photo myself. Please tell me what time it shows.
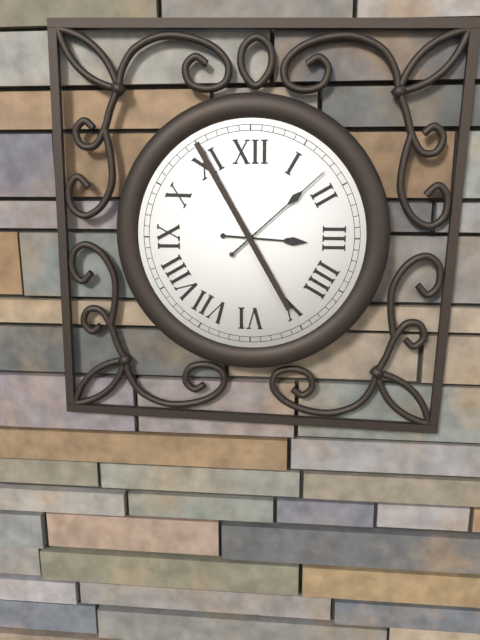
3:08
